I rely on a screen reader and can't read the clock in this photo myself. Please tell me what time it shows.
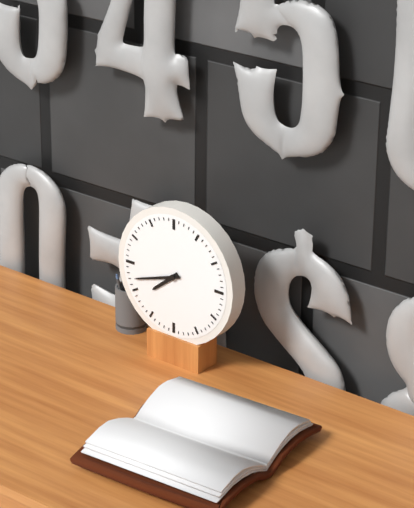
7:42
